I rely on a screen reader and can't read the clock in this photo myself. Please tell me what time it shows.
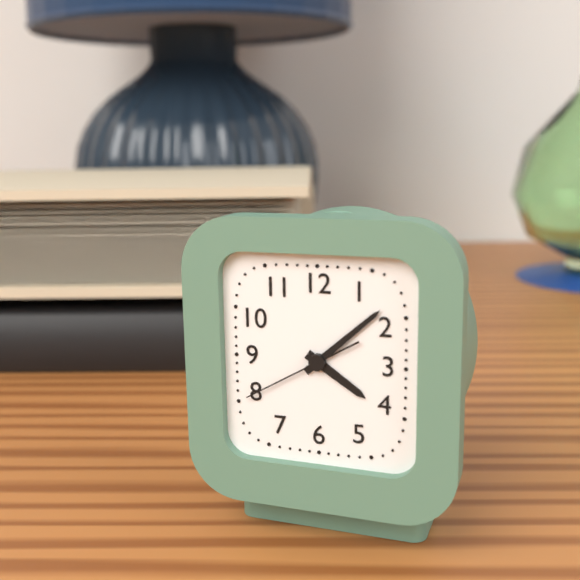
4:08:40
